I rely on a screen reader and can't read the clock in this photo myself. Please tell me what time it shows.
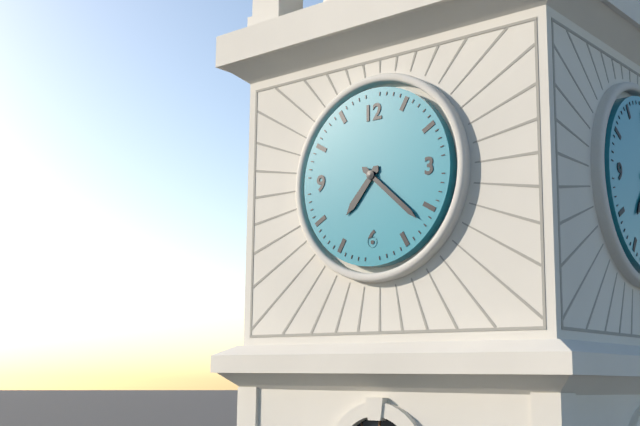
7:22
